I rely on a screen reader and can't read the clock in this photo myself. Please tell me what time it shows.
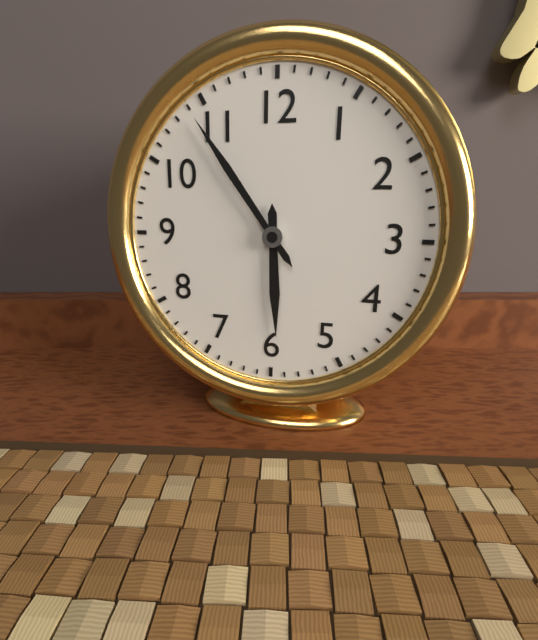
5:54
